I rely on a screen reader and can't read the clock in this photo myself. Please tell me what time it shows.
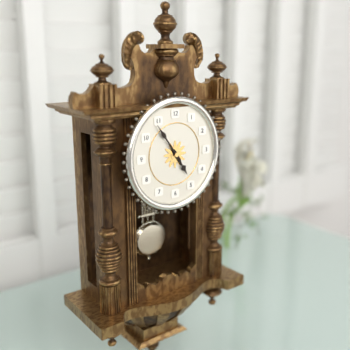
4:54
